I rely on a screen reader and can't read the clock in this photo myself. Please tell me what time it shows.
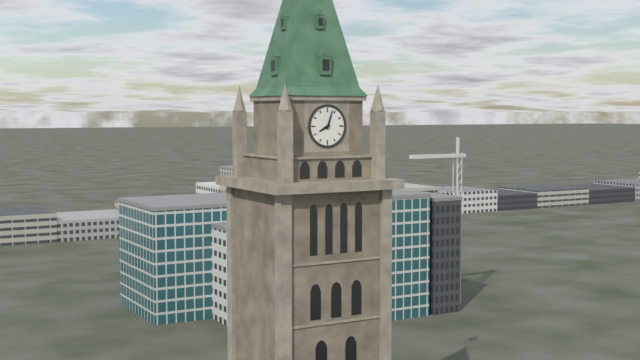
8:03
